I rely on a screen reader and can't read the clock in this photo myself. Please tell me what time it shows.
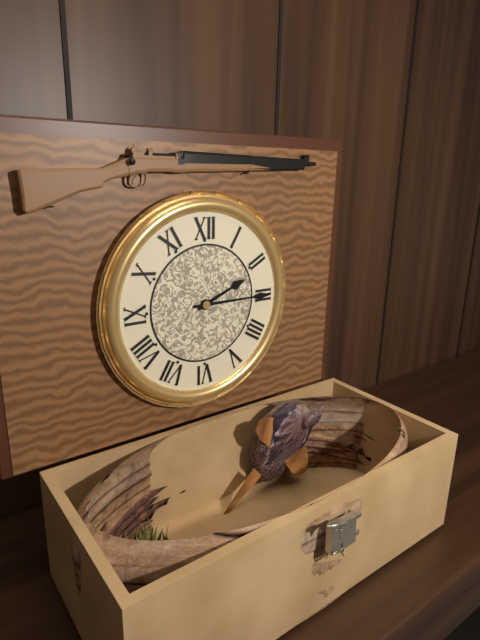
2:15
